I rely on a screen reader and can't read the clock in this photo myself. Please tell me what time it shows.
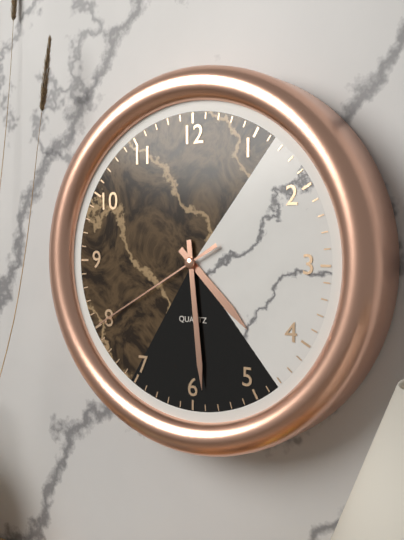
4:29:40
